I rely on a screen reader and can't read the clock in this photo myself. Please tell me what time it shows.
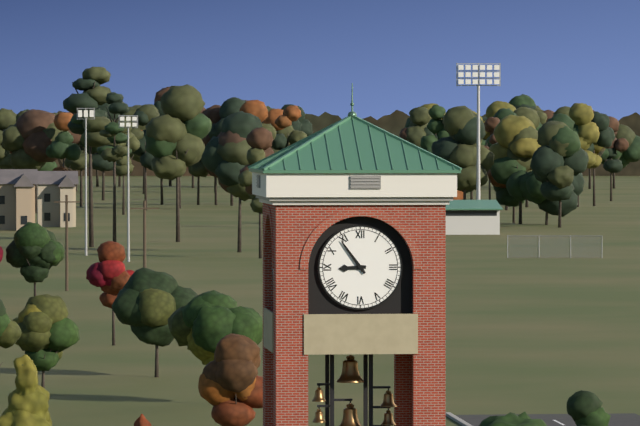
8:54
